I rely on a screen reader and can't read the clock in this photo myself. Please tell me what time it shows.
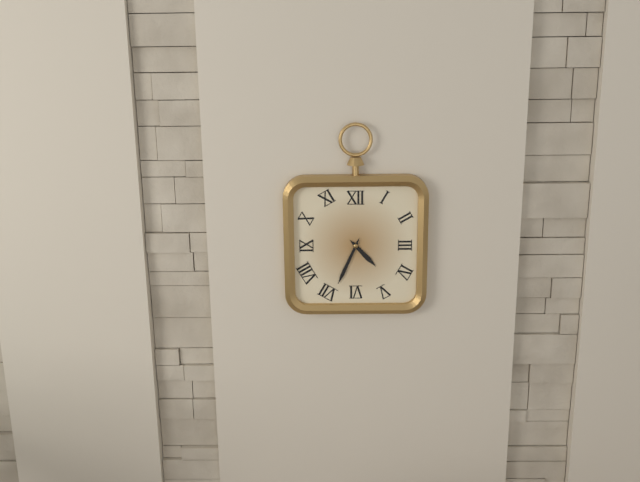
4:34
